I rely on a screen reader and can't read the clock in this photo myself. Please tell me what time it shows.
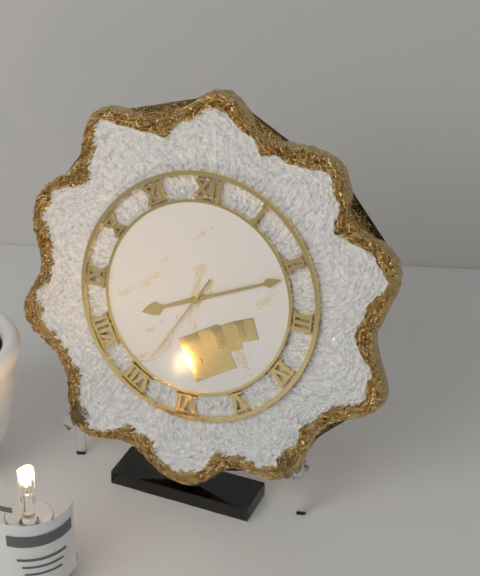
8:11:35
